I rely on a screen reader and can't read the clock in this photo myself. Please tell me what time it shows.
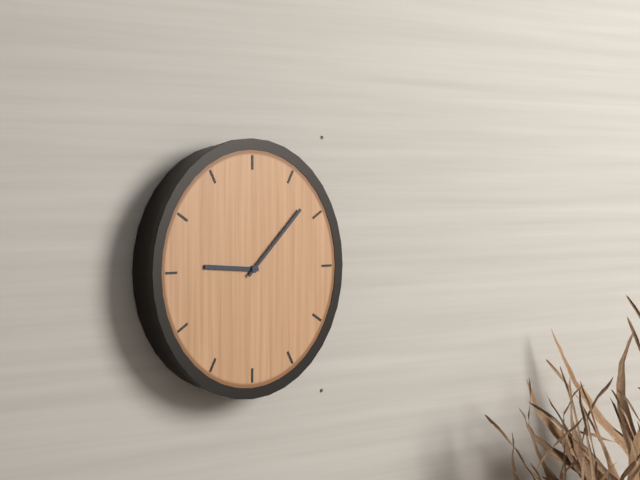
9:08
